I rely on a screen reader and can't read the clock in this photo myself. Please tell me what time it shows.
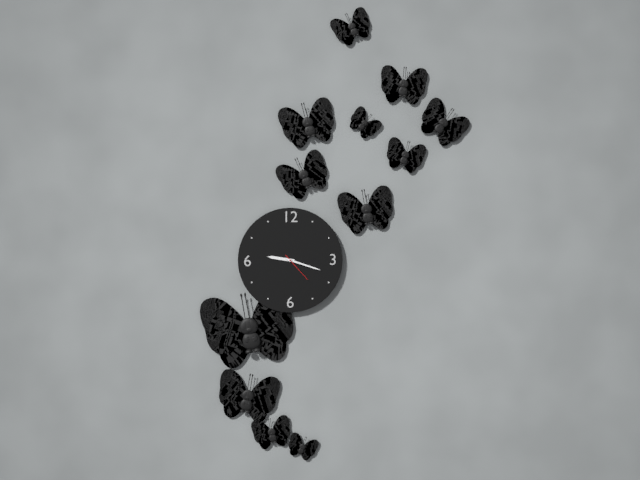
9:18
